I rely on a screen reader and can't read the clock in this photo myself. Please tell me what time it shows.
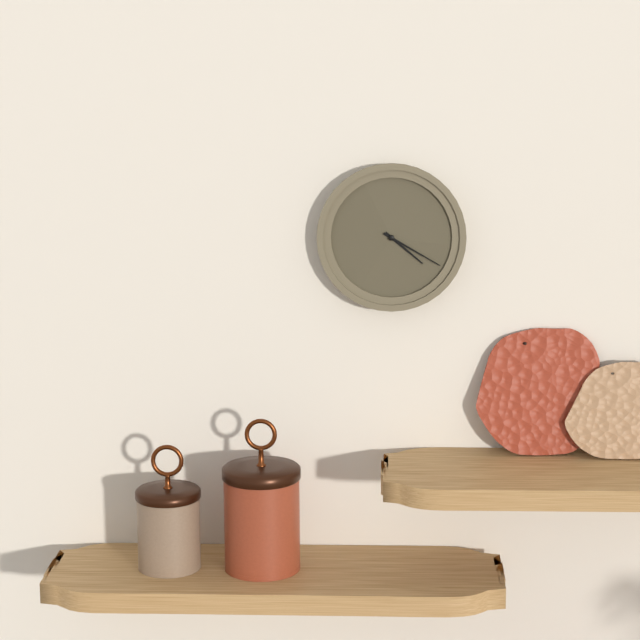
4:20
